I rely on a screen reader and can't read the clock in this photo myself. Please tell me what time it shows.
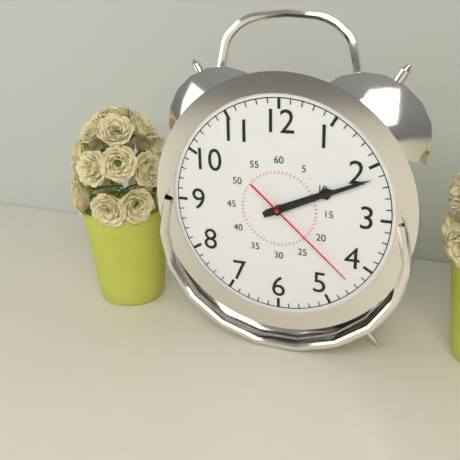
2:11:22
